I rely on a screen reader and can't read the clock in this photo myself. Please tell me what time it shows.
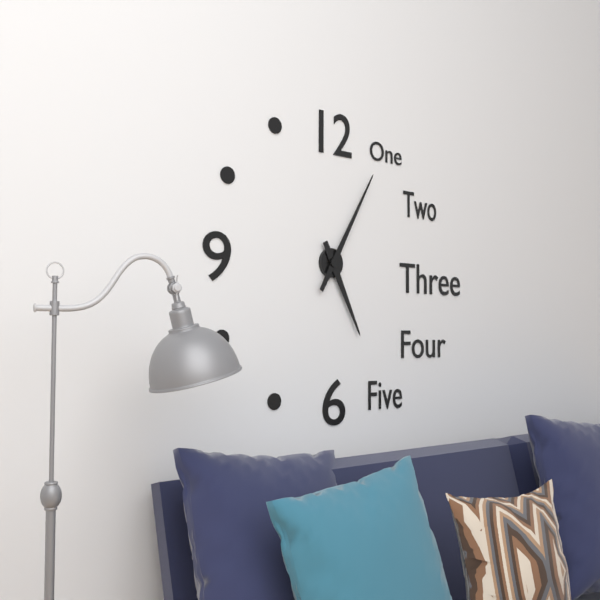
5:05
